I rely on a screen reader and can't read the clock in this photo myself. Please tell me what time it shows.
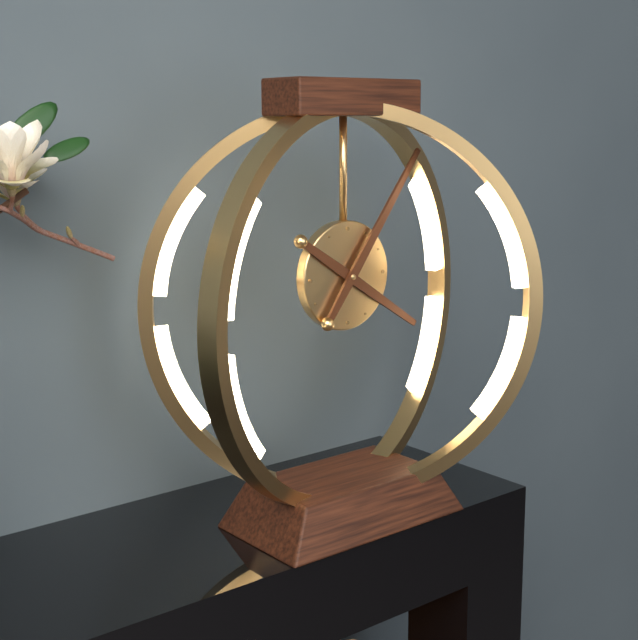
4:06
